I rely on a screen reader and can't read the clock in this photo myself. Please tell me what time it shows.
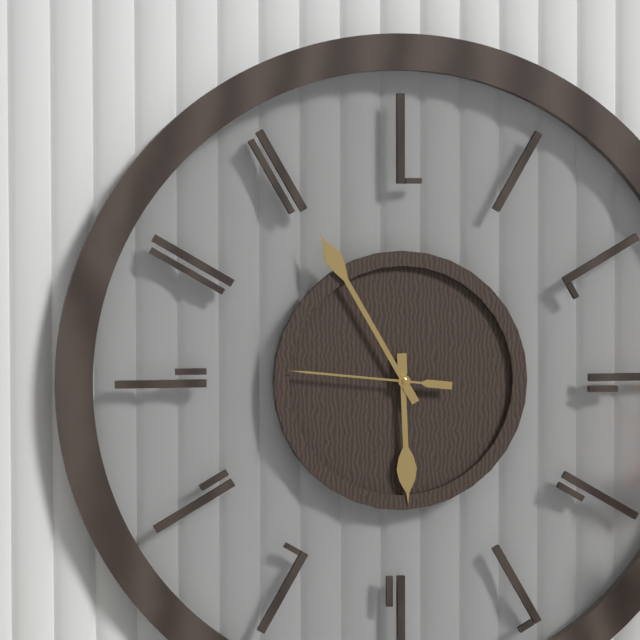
5:55:46
